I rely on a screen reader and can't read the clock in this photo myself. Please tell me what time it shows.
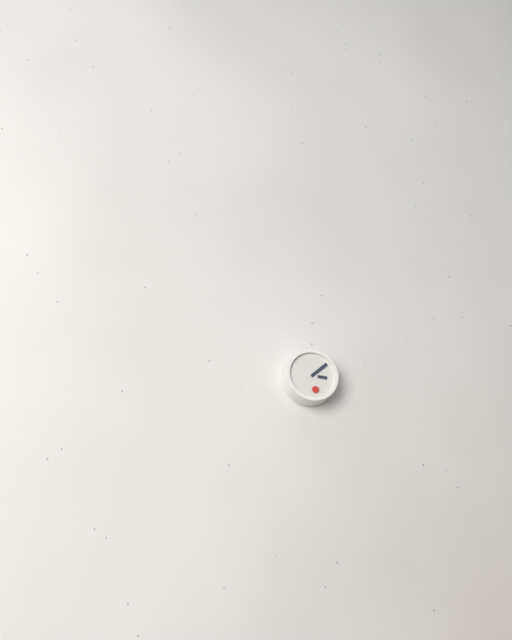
3:08
